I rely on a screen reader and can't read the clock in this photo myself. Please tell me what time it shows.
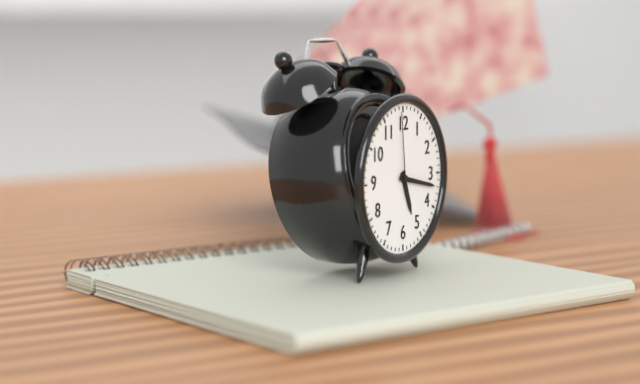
5:17:59
